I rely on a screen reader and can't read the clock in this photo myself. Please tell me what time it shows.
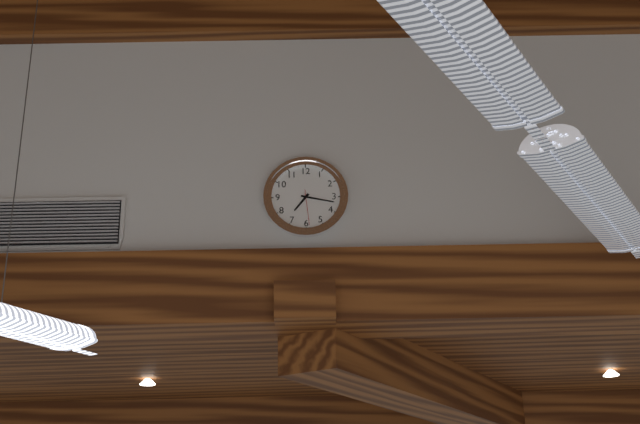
7:17
